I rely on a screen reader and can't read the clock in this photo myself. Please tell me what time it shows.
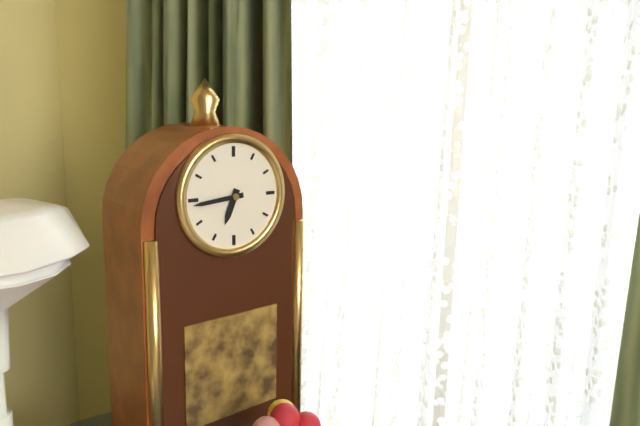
6:44
